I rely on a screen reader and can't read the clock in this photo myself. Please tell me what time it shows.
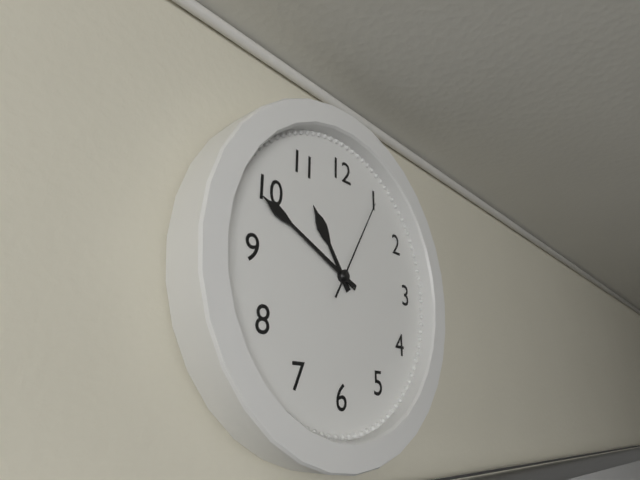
10:49:05
